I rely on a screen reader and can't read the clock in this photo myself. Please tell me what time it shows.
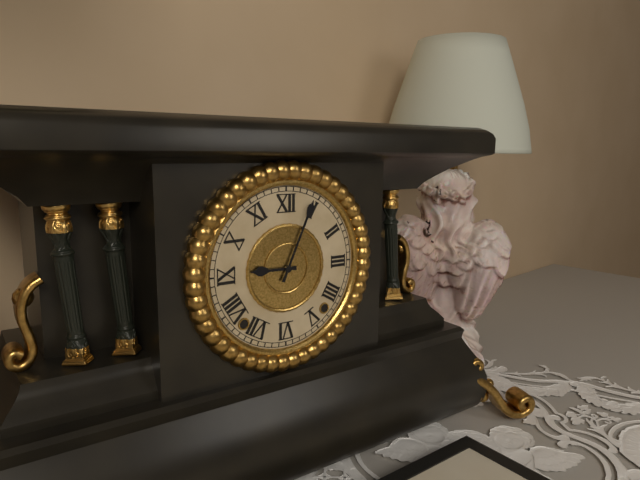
9:04
